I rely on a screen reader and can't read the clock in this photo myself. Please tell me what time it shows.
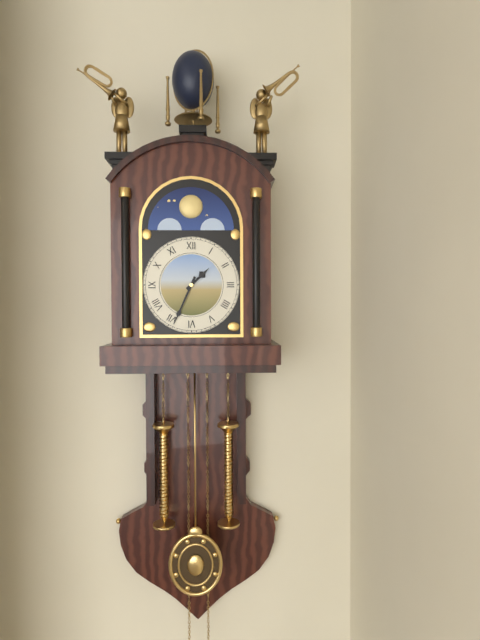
1:34
